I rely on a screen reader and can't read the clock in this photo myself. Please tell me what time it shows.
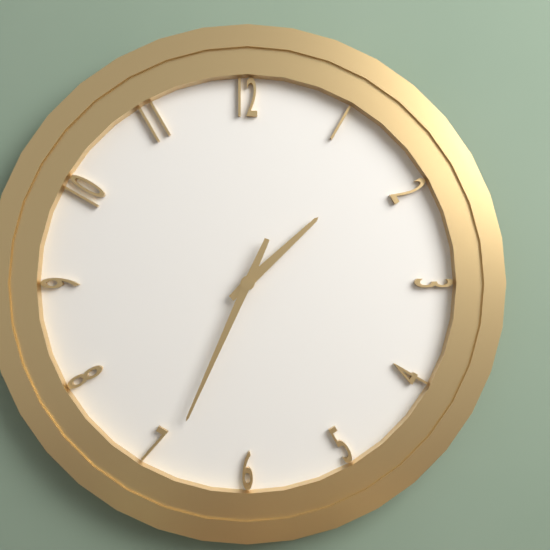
1:34
